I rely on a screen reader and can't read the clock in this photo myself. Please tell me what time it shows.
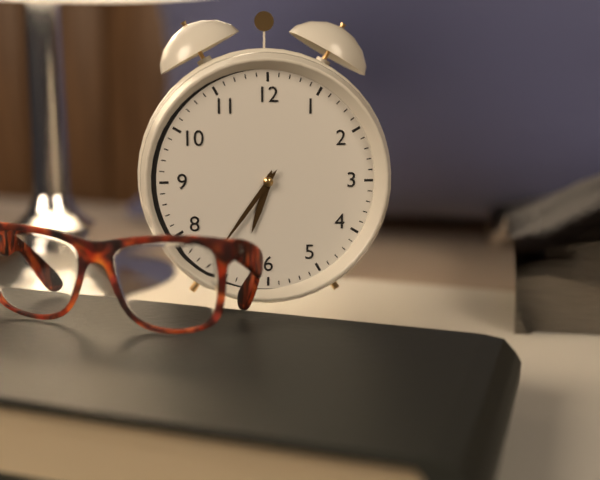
6:36
